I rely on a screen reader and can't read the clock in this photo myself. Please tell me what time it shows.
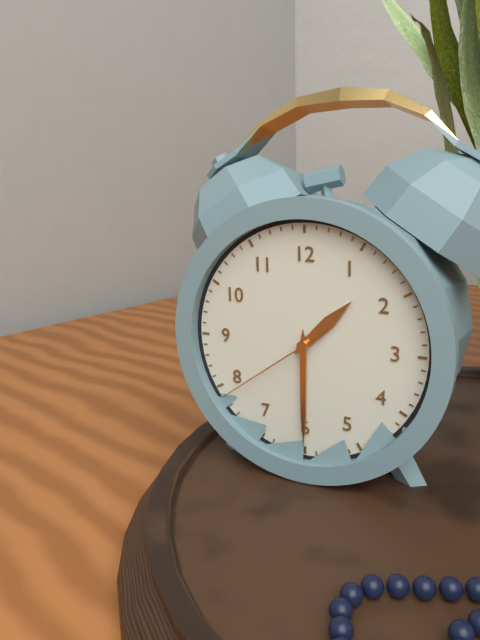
1:30:39
